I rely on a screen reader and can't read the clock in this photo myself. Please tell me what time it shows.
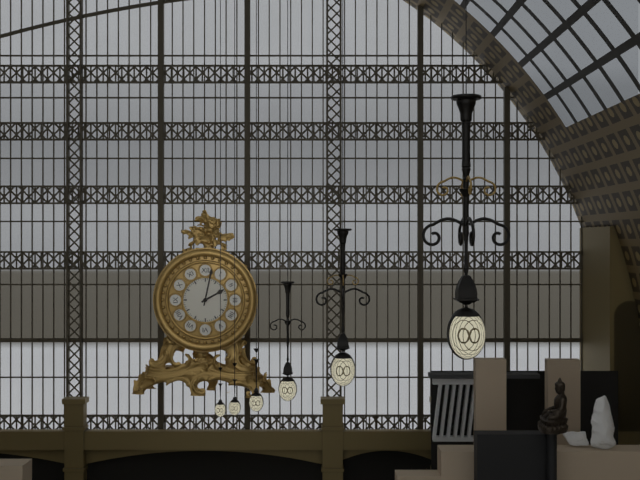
2:02
